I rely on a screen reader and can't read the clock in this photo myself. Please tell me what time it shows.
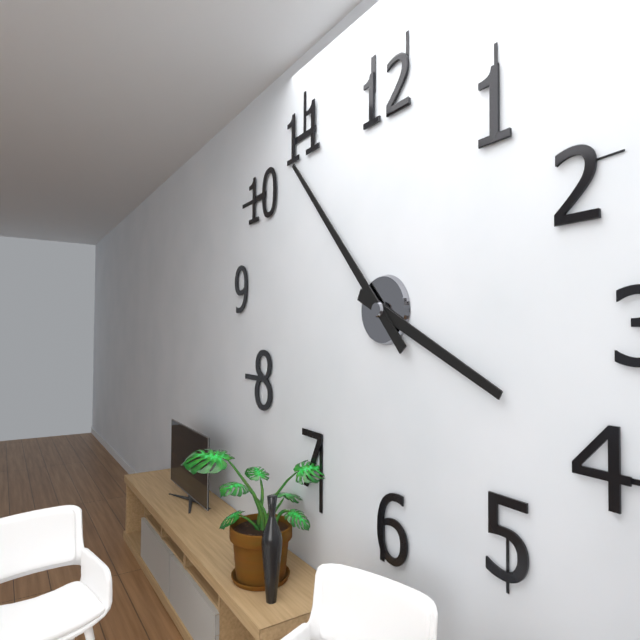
3:53
